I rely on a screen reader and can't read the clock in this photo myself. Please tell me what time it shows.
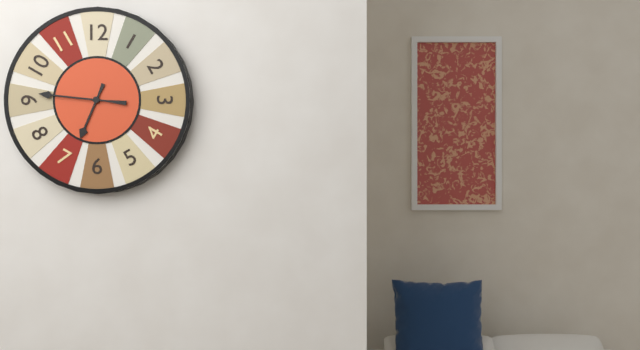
6:46
